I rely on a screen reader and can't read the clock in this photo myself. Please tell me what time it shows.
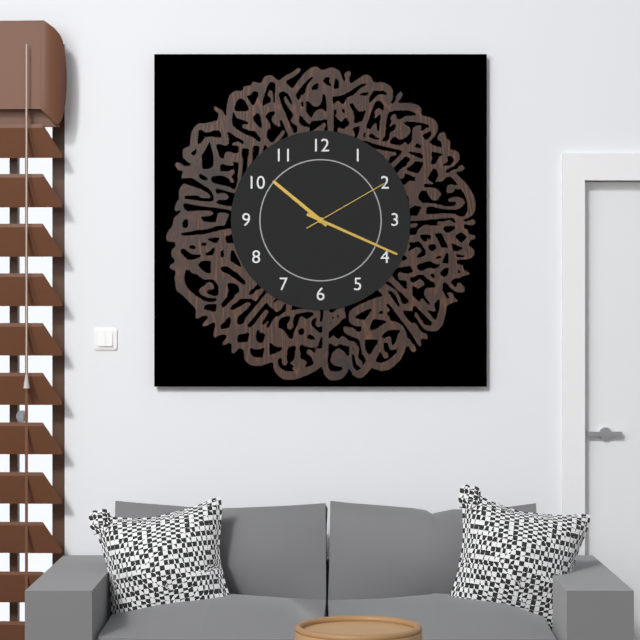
10:19:10
